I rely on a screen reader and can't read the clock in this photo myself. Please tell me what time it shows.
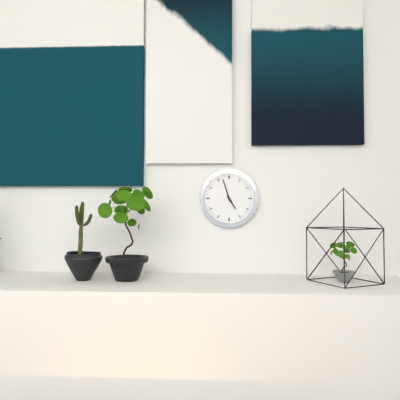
4:57
